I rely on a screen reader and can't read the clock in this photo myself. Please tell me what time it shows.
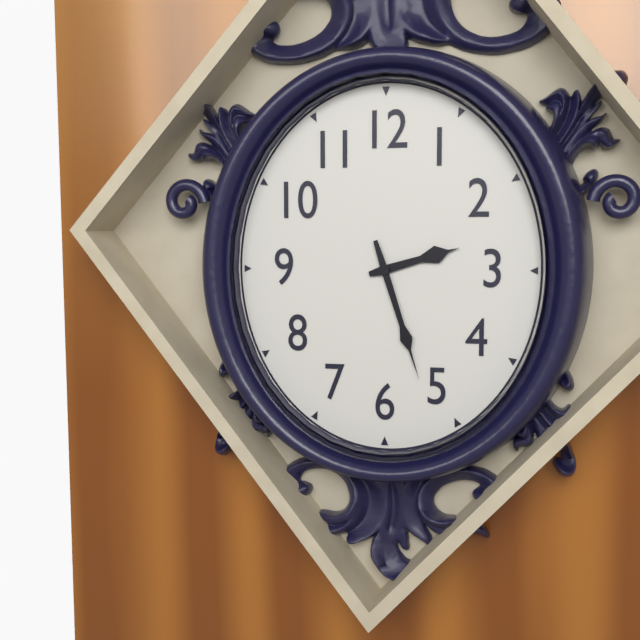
2:27
